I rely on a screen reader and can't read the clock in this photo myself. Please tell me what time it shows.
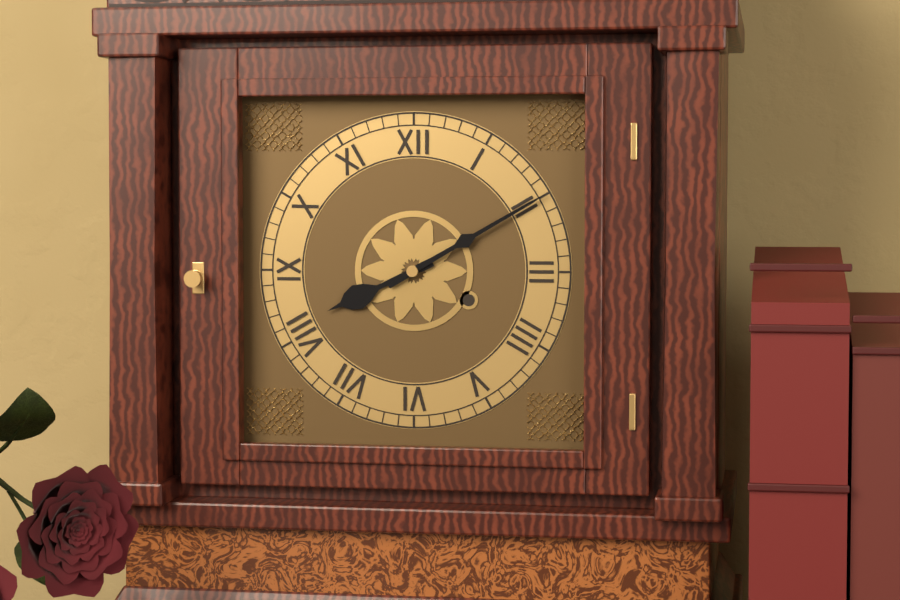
8:10
